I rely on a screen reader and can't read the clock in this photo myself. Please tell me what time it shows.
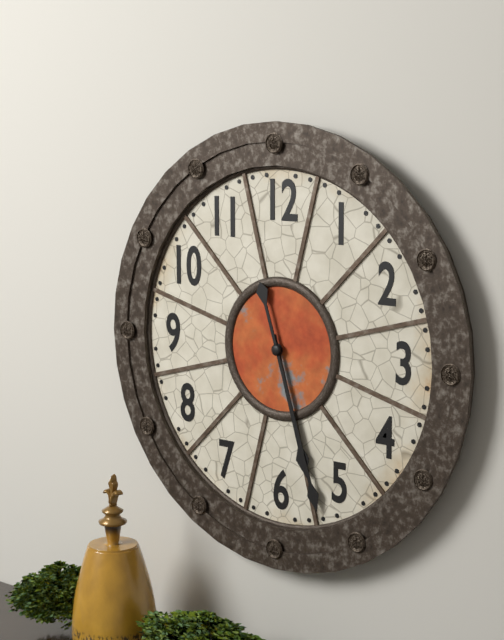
5:27
